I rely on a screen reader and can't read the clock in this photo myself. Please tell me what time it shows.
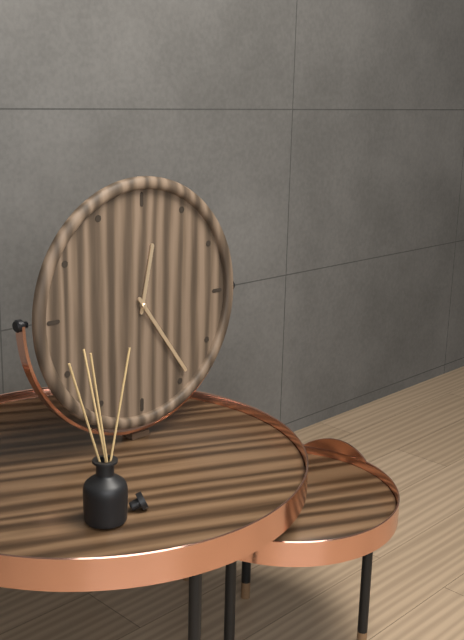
12:24
